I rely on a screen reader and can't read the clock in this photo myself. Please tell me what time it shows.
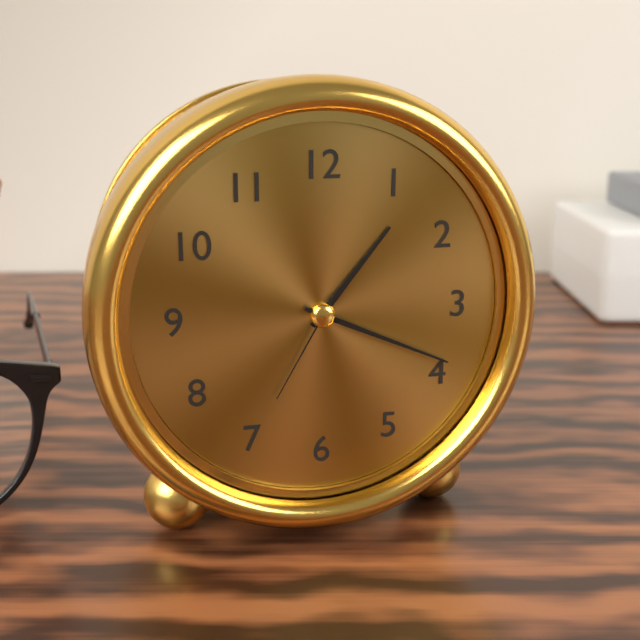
1:19:35
